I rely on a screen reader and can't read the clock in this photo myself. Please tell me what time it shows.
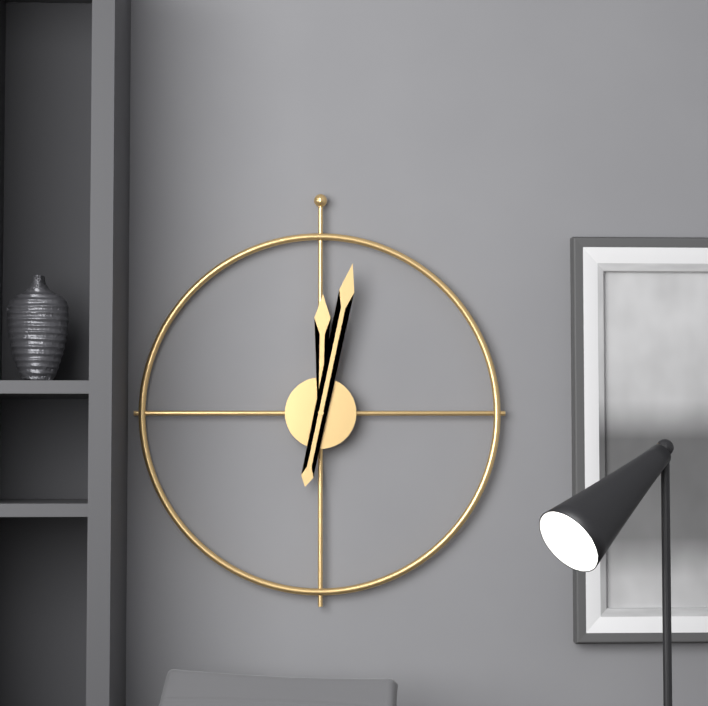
12:02
